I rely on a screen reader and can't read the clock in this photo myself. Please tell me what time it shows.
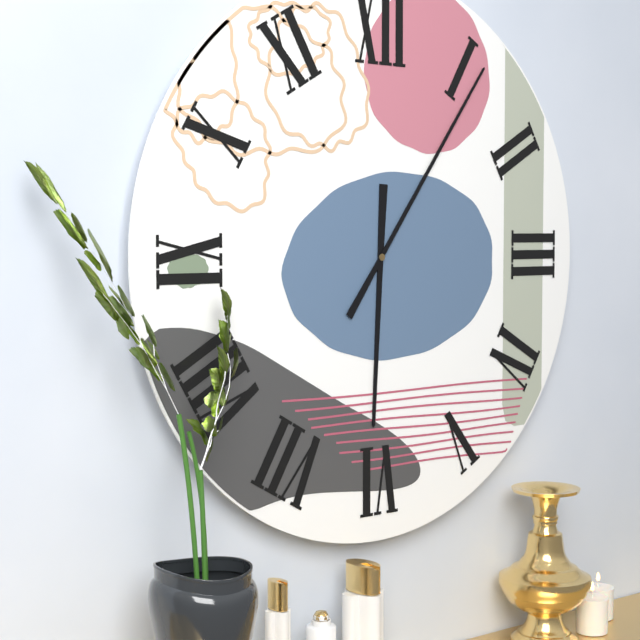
6:06
